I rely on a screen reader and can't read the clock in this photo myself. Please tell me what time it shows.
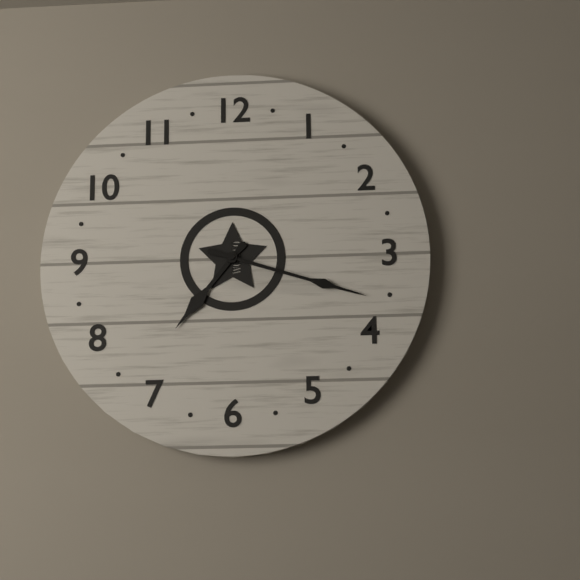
7:18
